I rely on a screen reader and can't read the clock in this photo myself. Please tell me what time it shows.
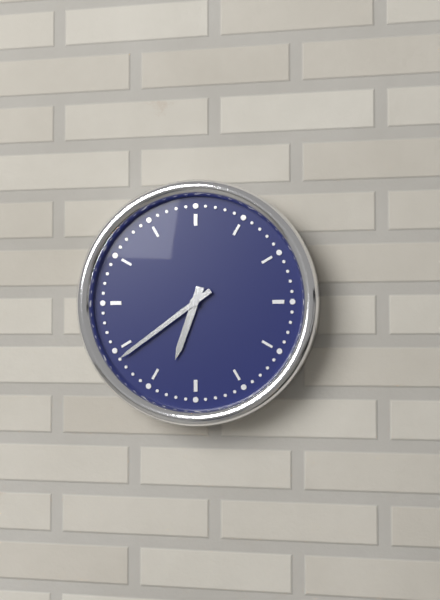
6:39
